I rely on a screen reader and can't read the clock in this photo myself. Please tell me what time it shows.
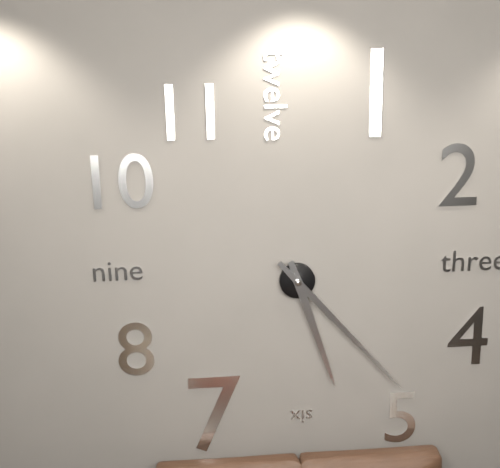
5:23
